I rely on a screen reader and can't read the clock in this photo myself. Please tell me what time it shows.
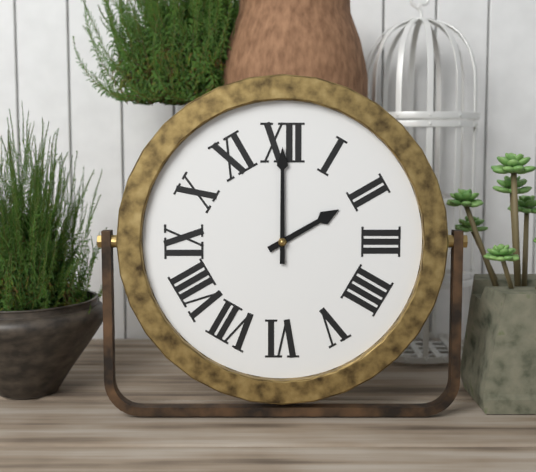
2:00
